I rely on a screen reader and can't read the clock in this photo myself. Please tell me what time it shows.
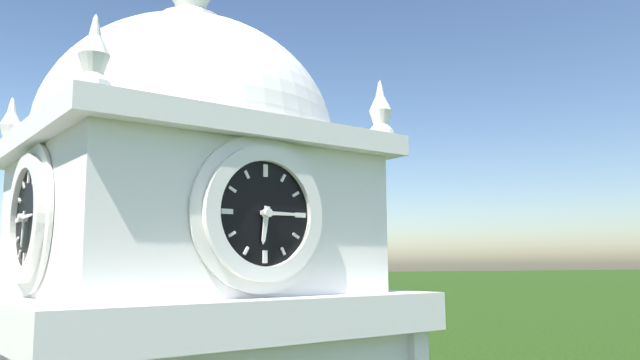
6:15
